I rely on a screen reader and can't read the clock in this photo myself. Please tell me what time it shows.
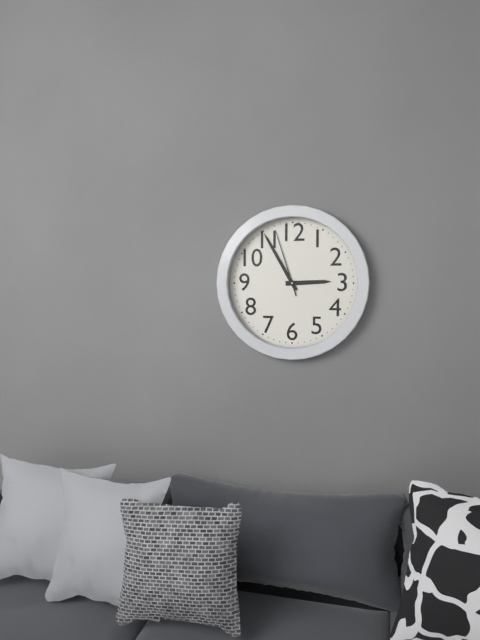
2:55:57
